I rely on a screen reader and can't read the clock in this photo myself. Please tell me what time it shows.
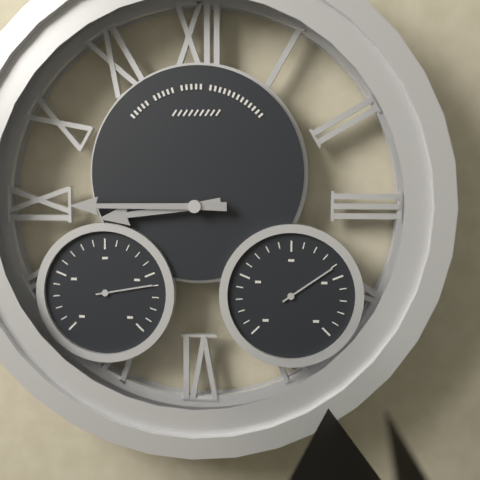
8:45
